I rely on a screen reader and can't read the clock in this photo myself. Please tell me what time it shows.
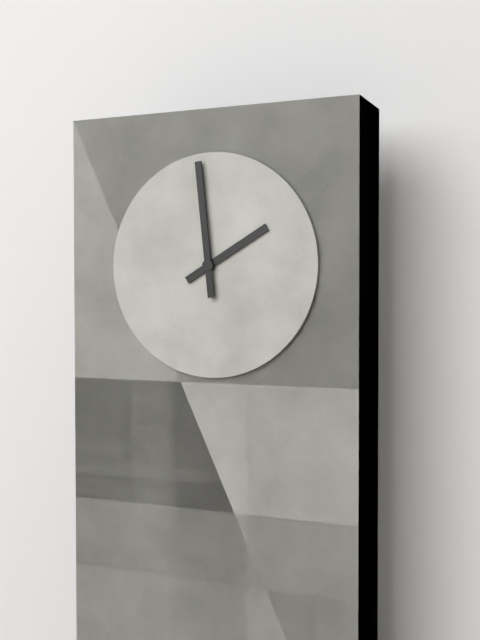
1:59
